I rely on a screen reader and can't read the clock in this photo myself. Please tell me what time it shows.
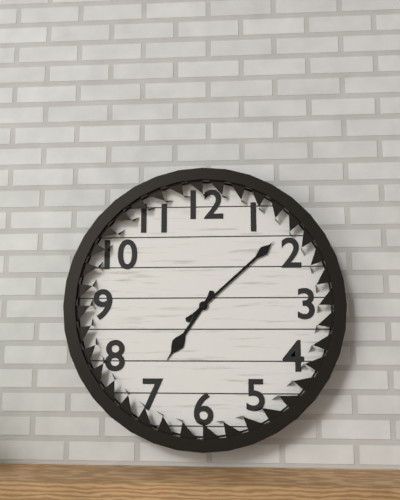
7:08
